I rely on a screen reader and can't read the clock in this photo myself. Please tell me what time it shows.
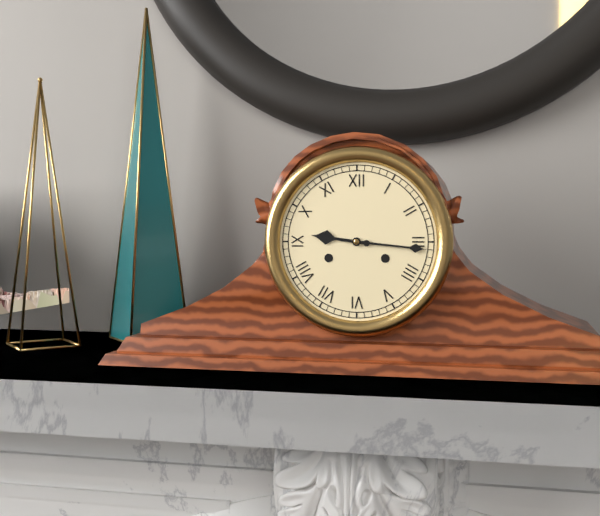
9:16
